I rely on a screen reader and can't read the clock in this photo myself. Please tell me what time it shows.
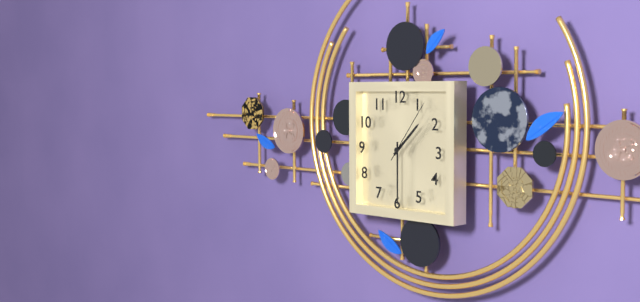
1:30:06
